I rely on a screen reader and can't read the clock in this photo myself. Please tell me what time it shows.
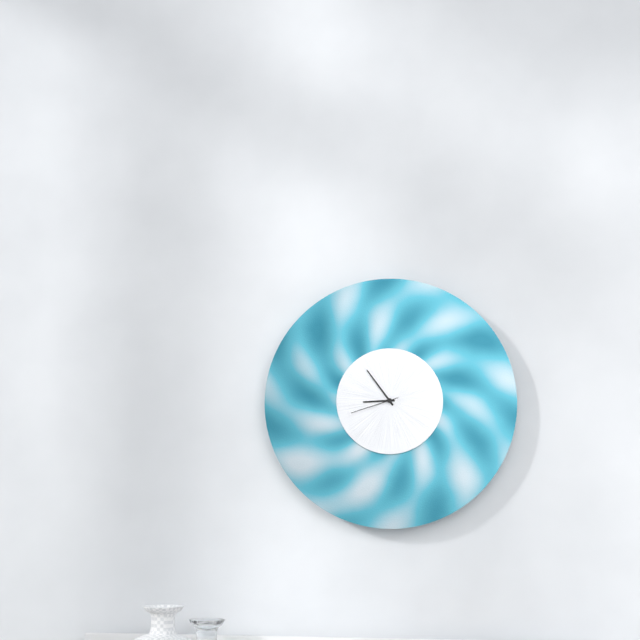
8:54:42
